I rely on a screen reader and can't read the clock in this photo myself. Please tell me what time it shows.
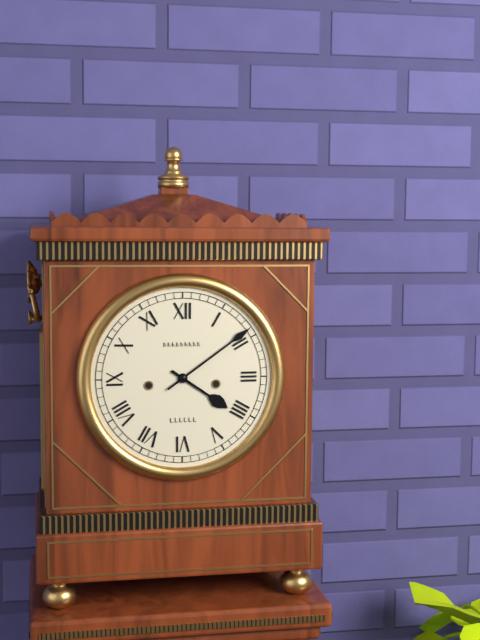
4:09
